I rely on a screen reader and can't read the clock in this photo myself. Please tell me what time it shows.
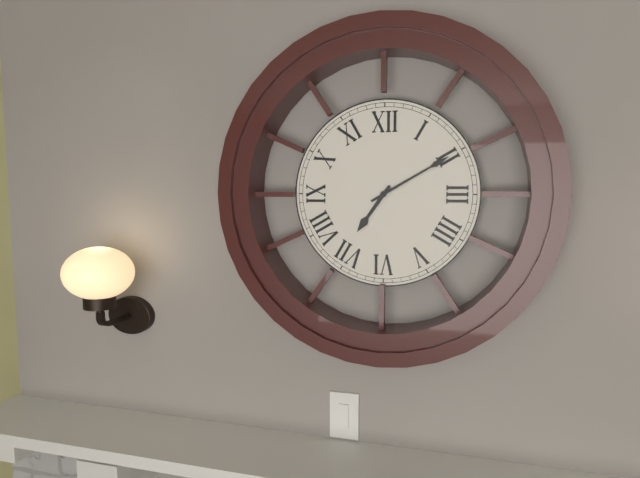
7:10
